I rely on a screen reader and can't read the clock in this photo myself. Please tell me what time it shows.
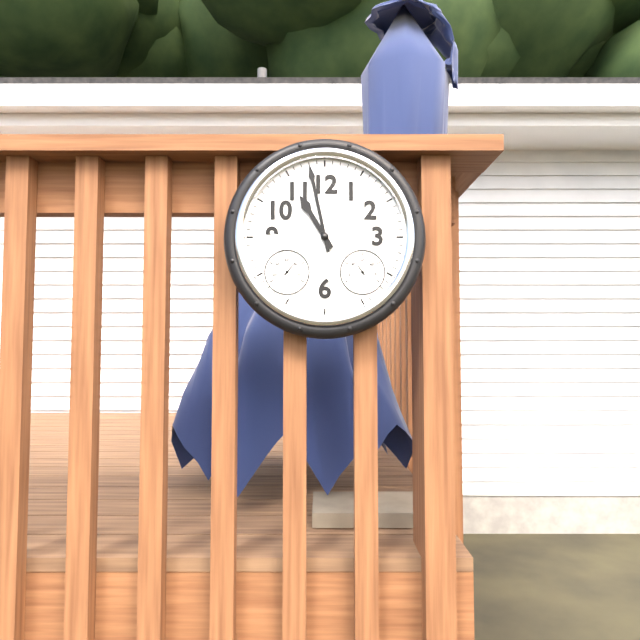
10:58
